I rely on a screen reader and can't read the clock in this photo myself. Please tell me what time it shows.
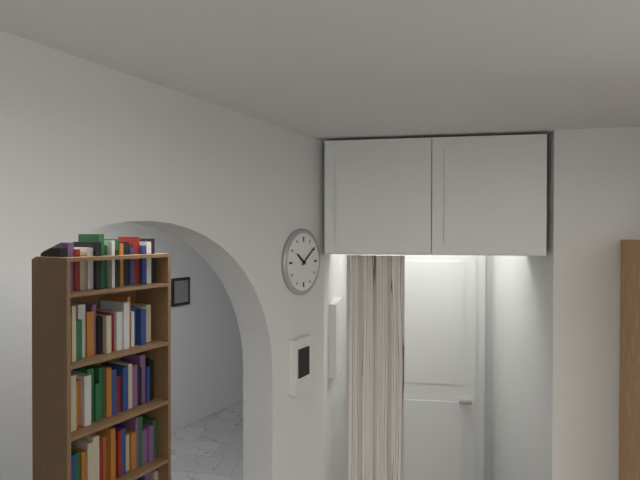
10:09
